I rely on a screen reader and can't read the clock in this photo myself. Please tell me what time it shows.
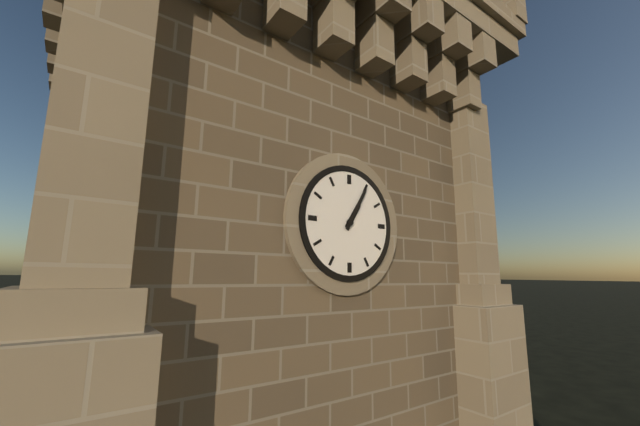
1:05
